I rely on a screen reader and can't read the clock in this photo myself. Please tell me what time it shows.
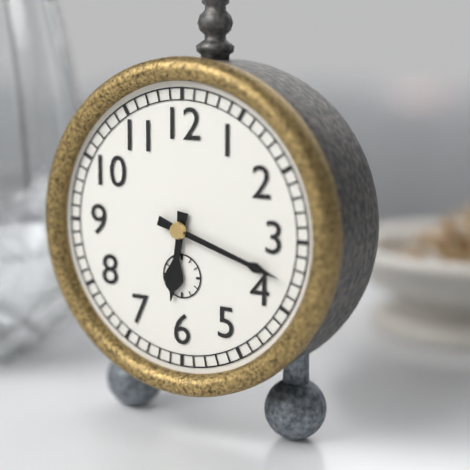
6:18
